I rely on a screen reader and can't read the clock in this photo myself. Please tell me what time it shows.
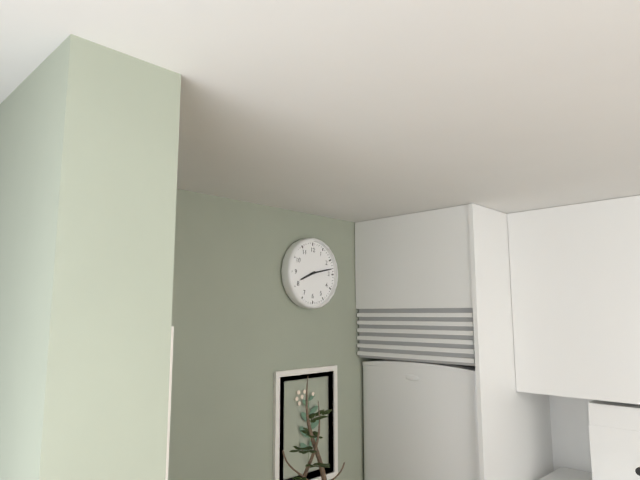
8:13
